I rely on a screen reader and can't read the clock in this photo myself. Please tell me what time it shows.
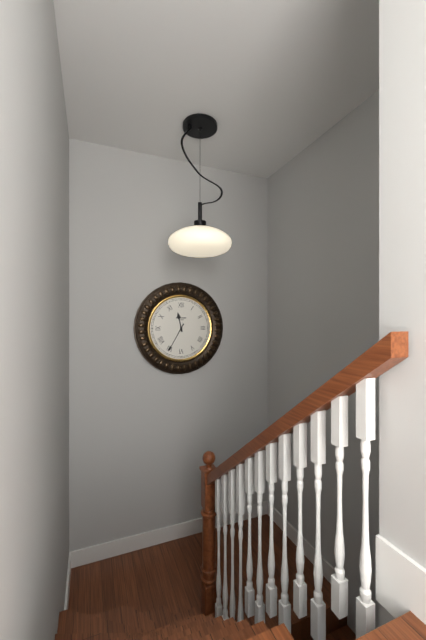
11:35
